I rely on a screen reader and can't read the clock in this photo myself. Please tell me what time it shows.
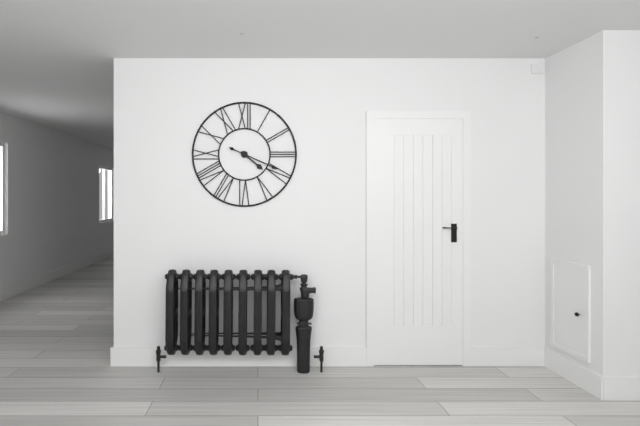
4:19
